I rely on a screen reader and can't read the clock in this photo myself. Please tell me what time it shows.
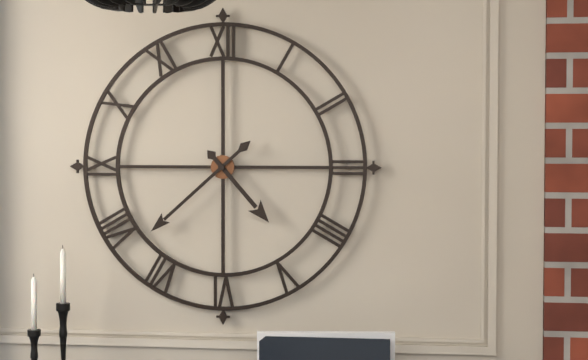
4:38
